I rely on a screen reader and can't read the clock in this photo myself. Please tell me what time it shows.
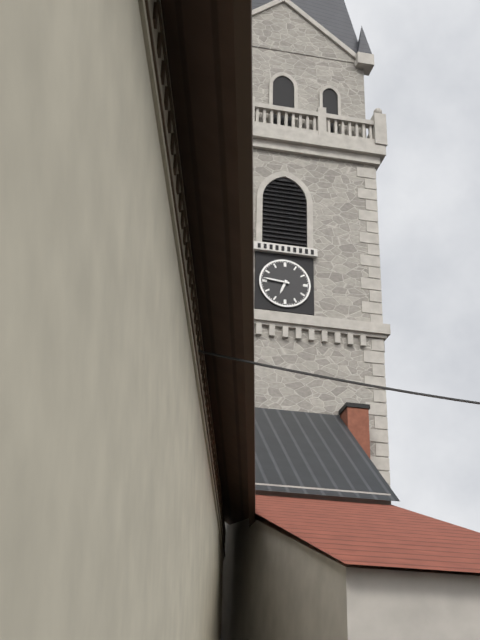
6:46
